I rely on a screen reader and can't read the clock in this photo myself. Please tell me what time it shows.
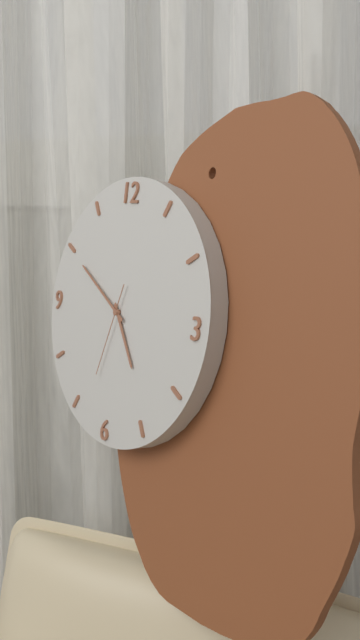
4:50:33
